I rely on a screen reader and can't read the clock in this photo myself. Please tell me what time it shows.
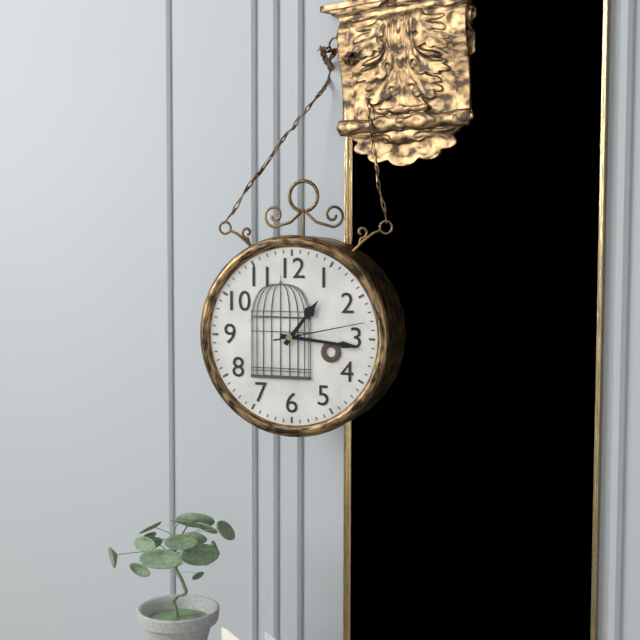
1:16:13
